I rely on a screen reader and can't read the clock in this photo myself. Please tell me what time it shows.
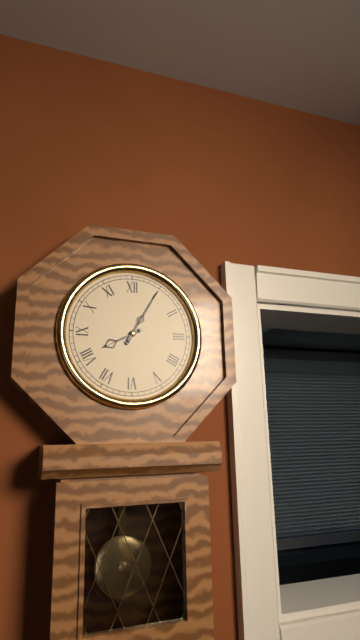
8:05
